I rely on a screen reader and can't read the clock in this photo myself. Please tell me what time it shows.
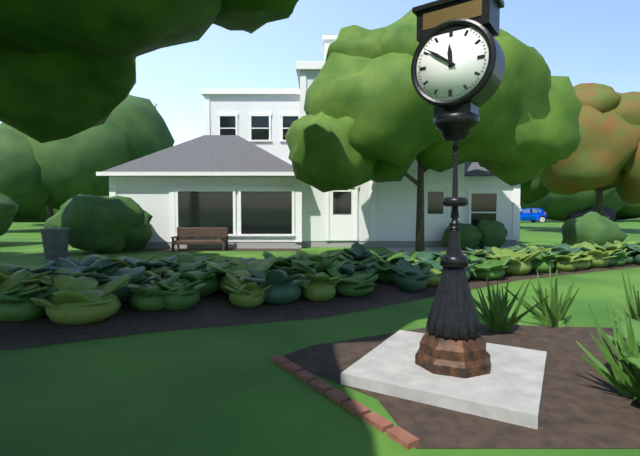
11:51
